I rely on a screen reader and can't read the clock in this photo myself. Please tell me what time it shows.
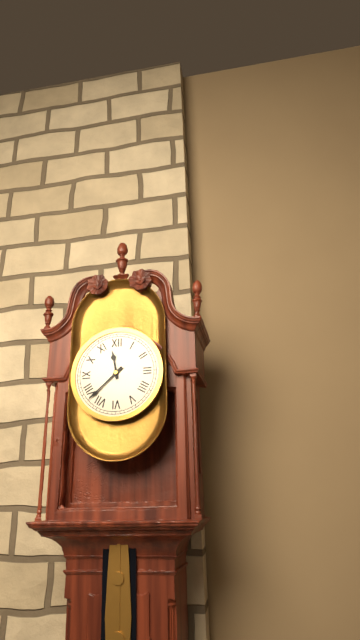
11:38
